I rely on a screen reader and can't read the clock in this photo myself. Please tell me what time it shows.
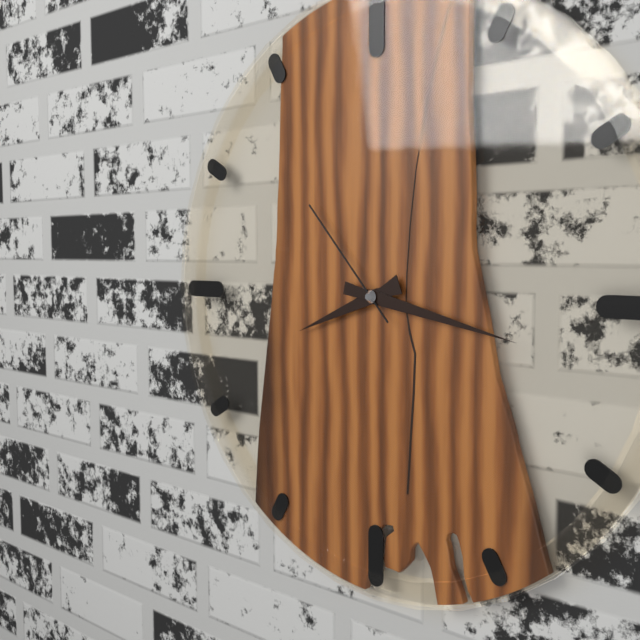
8:17:53
